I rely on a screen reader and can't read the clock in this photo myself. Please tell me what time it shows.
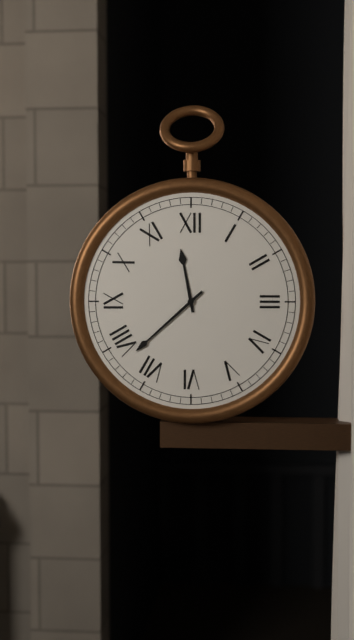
11:38
